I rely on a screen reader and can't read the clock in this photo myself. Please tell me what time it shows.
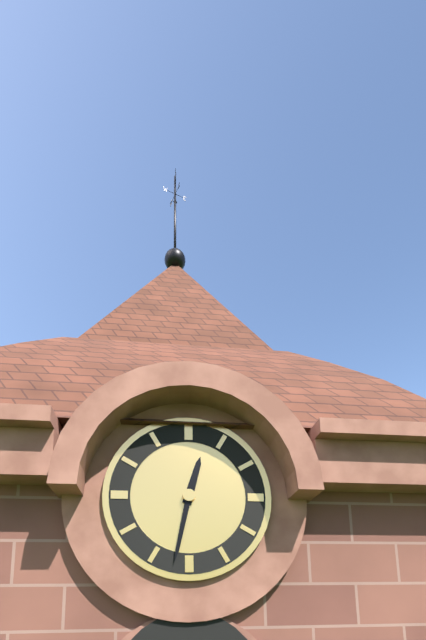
12:32
